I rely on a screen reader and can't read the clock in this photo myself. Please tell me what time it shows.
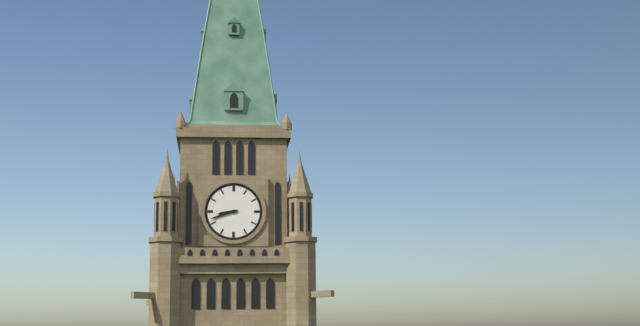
8:42
